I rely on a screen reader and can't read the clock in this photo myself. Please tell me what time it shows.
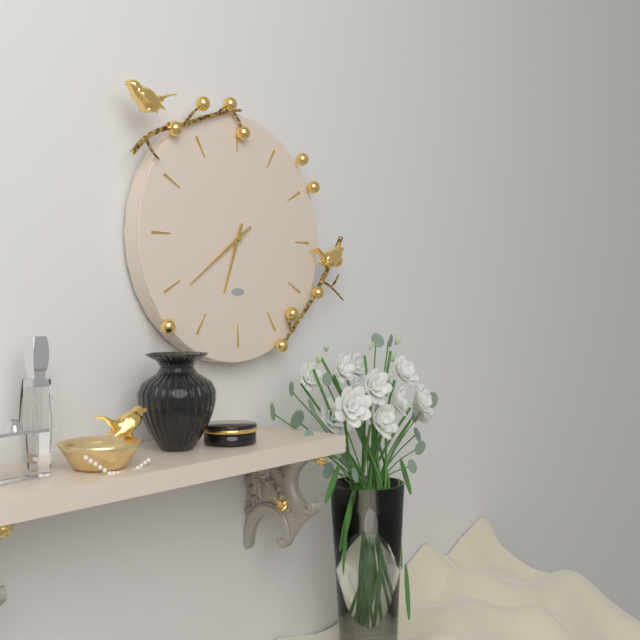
6:39
